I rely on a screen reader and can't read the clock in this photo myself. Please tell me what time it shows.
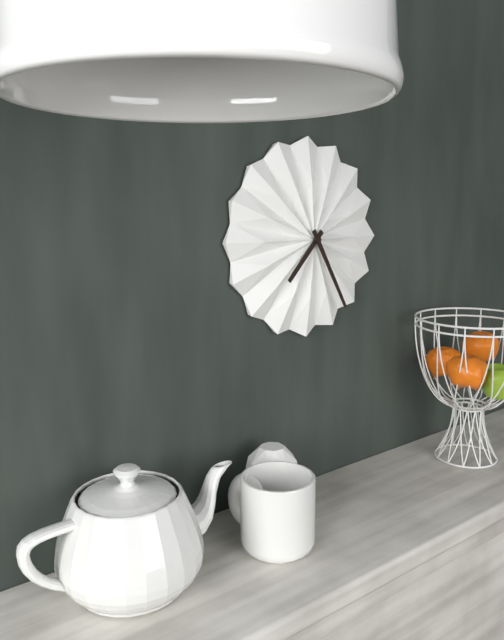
7:25
